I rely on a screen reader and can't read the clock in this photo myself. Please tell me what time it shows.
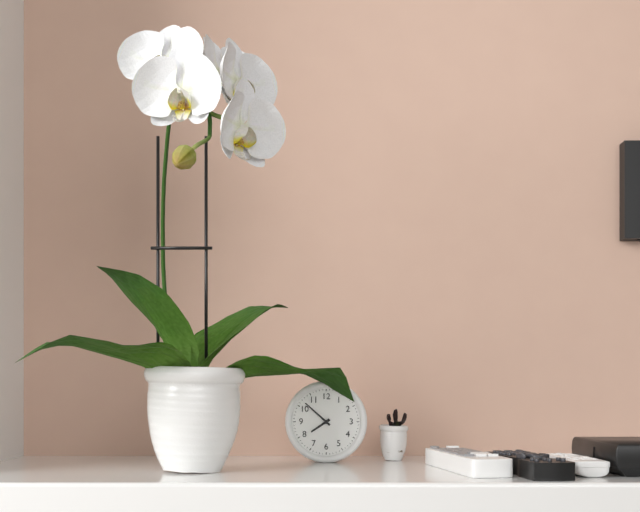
7:52
